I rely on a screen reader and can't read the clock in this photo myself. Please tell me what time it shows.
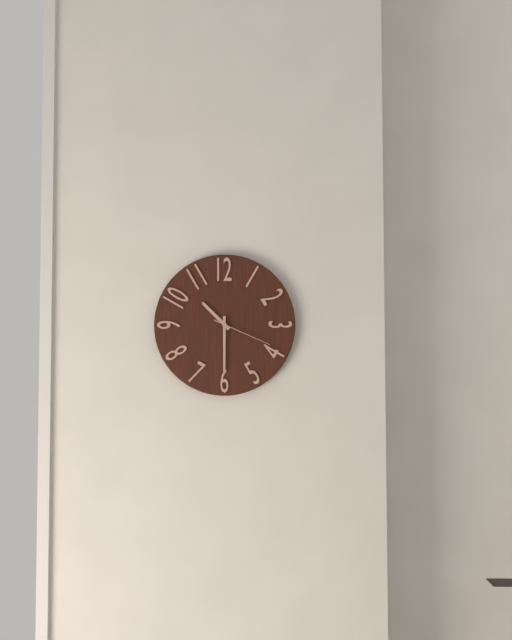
10:30:19
